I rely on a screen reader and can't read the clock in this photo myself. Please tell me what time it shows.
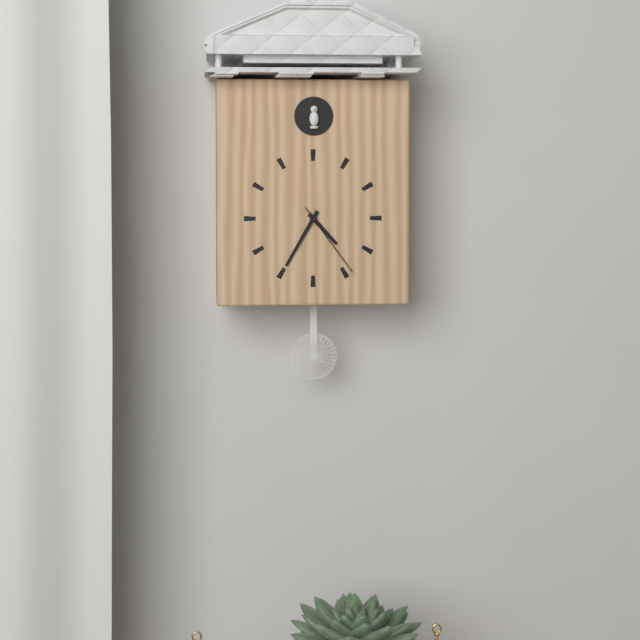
4:35:24
